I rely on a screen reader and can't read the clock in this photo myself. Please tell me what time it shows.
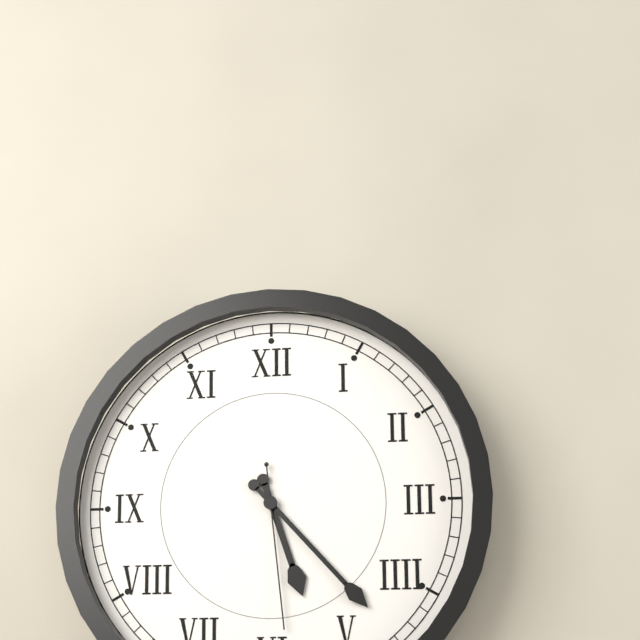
5:23:29
